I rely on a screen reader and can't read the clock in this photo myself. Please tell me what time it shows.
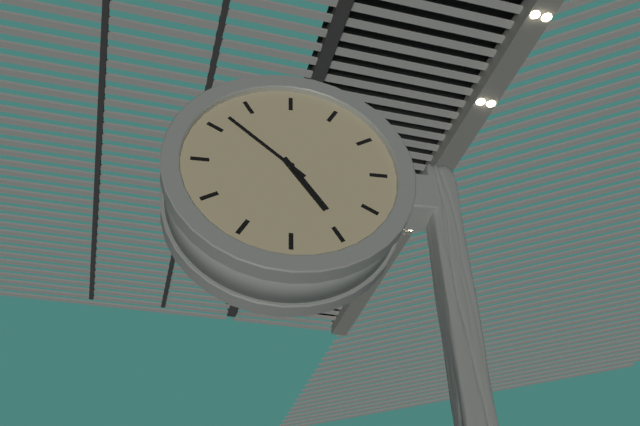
4:52
